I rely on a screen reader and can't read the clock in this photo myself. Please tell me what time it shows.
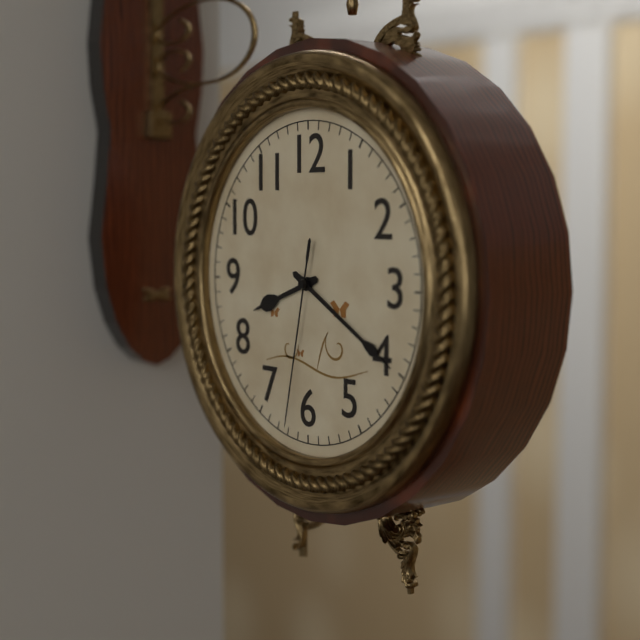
8:20:32
